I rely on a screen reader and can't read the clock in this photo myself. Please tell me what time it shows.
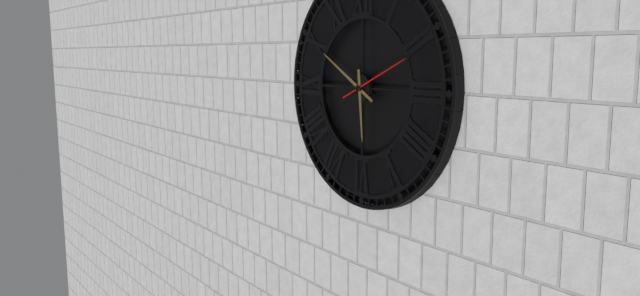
5:50:11
